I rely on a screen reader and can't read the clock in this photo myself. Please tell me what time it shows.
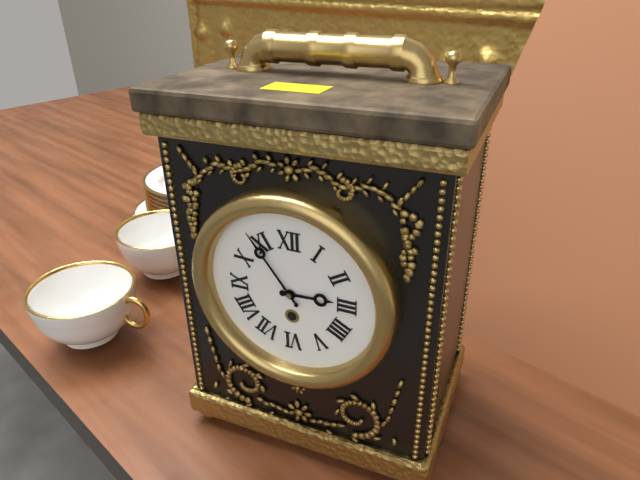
2:54
